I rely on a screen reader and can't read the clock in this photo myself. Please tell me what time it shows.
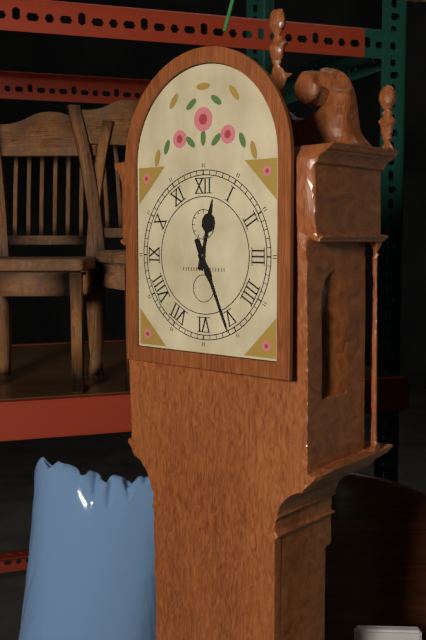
12:26
